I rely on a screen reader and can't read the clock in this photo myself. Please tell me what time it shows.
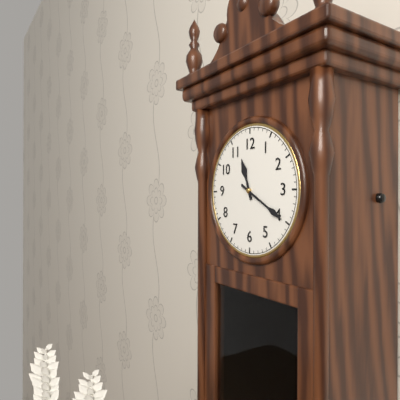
11:20
